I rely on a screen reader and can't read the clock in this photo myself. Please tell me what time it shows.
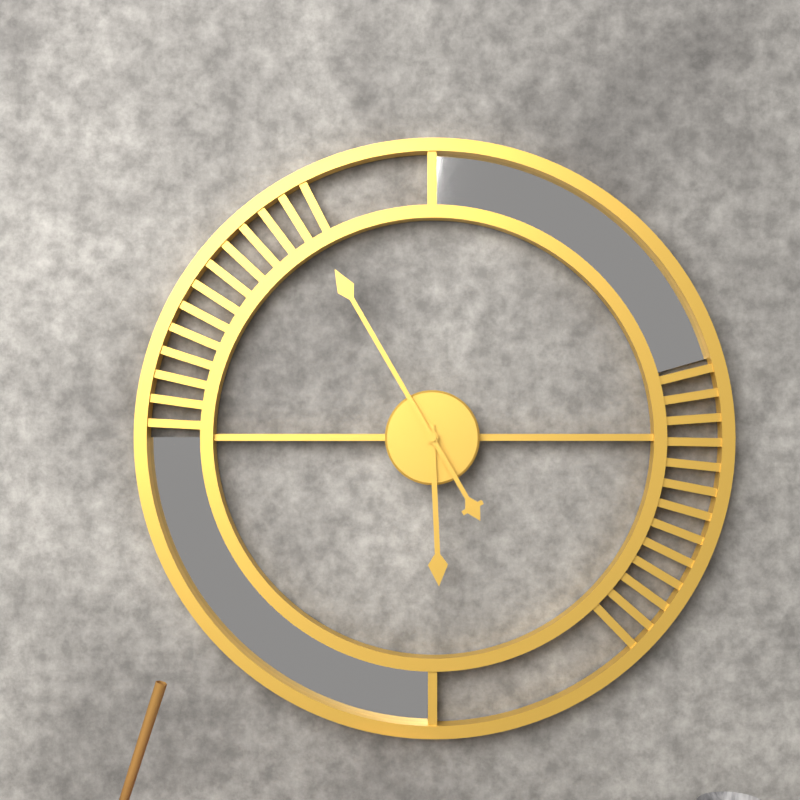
5:55
